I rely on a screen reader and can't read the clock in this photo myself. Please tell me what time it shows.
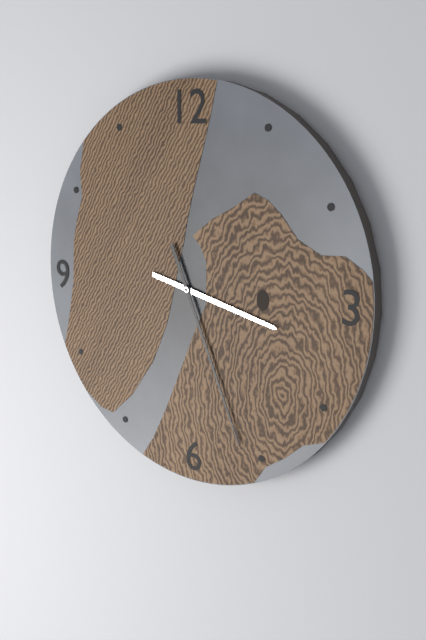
3:26
